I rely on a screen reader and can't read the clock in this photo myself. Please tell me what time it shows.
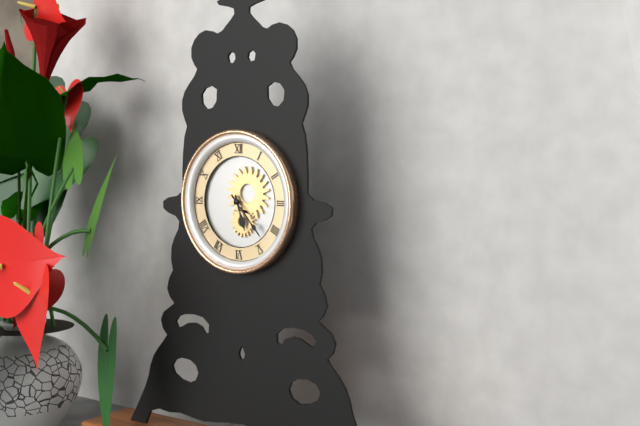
5:23
